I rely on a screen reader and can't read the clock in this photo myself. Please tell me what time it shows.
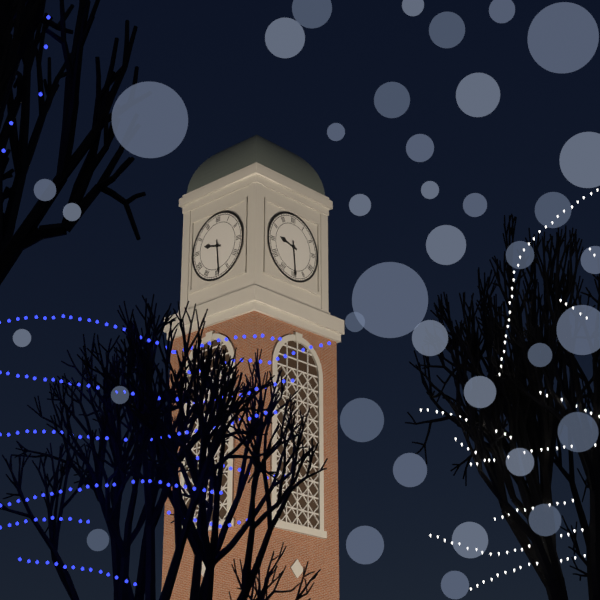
9:29
